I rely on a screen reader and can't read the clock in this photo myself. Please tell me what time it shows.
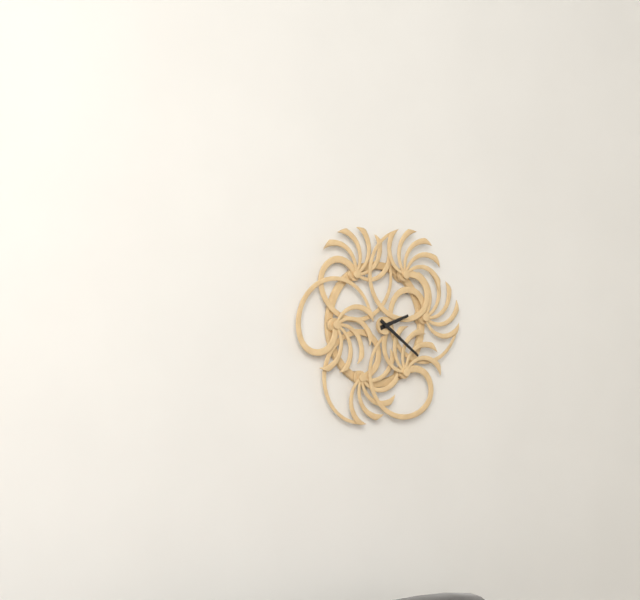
2:21
